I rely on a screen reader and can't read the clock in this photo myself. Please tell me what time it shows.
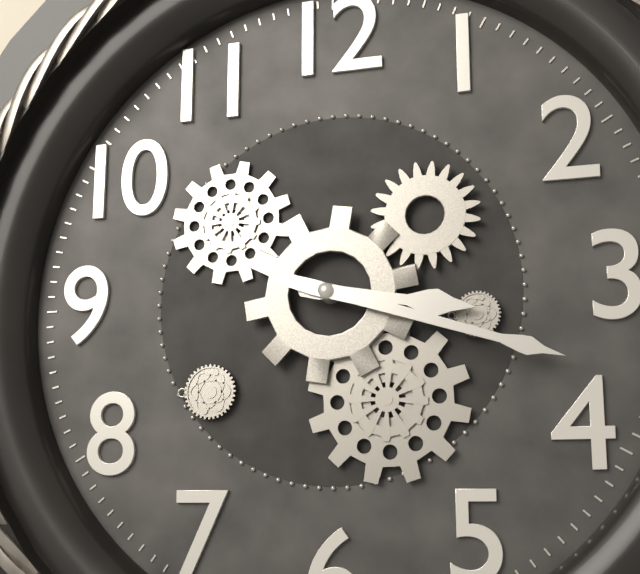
3:18
